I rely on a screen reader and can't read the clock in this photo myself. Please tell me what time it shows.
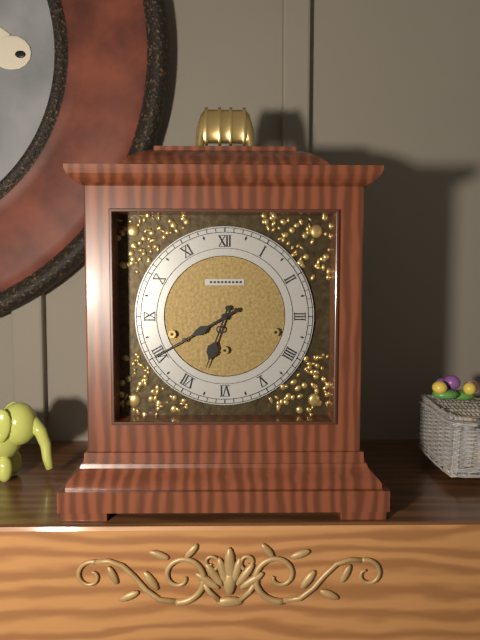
6:40
